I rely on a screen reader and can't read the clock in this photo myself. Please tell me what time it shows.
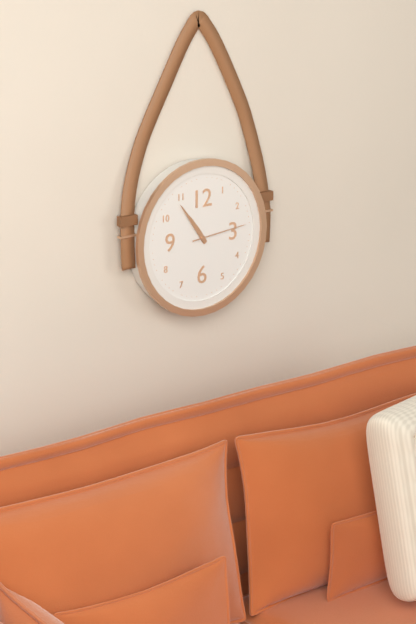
10:54:14
